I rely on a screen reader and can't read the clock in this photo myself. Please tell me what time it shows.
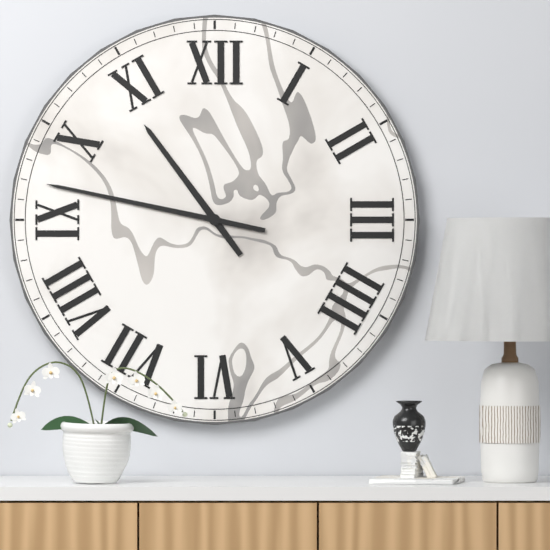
10:47
